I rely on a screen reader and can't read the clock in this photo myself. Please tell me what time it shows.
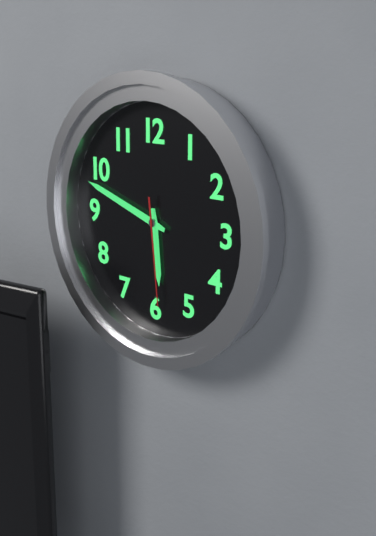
5:48:29
